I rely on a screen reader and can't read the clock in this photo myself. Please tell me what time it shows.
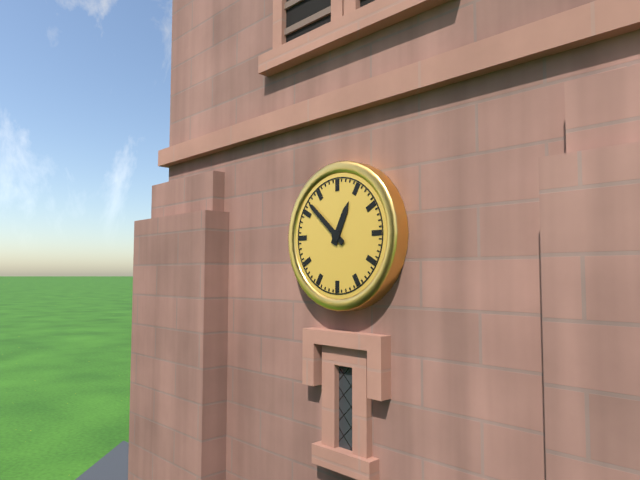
12:52
